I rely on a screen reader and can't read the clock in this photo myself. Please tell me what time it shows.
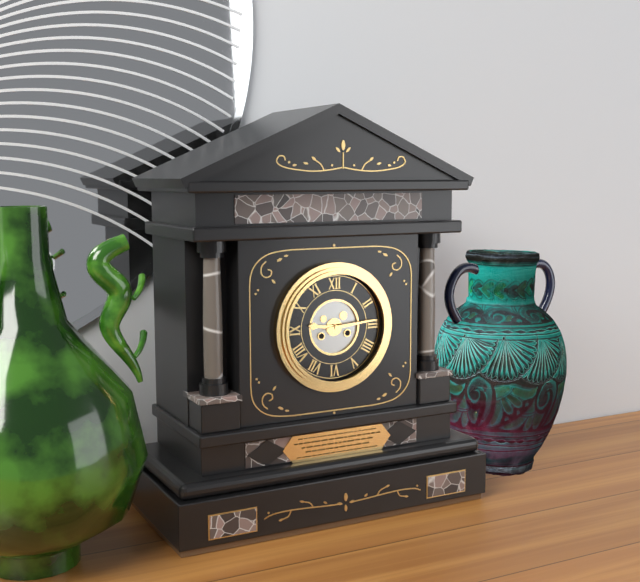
9:14
